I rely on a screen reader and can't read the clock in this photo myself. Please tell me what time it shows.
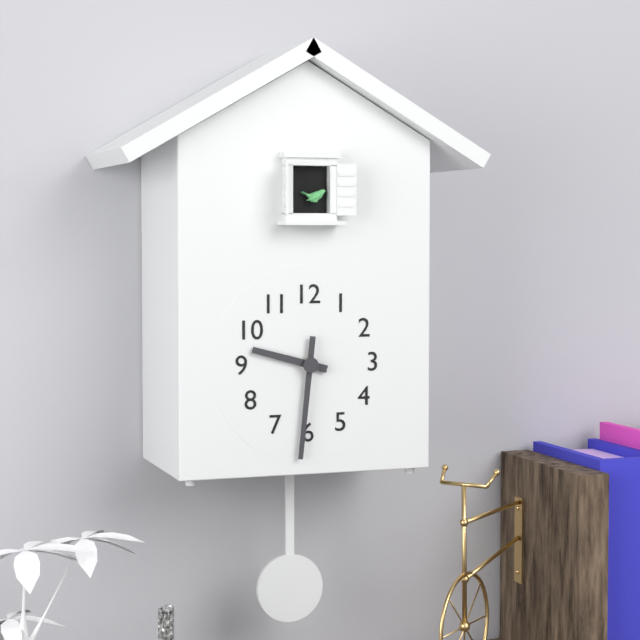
9:31
